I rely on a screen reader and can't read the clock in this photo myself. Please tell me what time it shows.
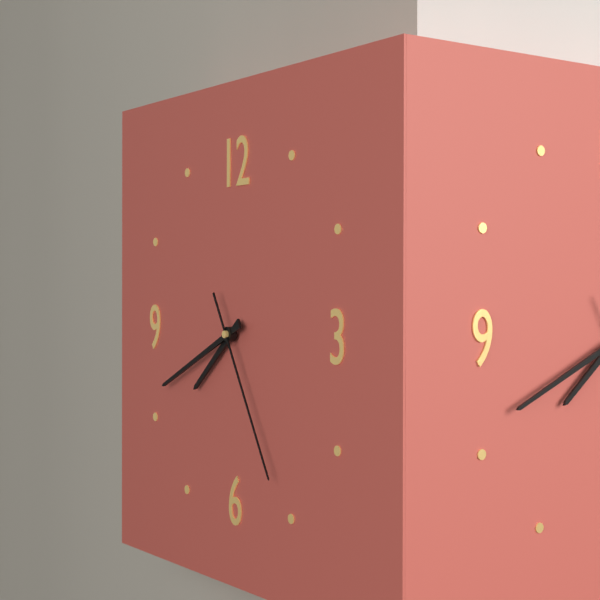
7:41:25
